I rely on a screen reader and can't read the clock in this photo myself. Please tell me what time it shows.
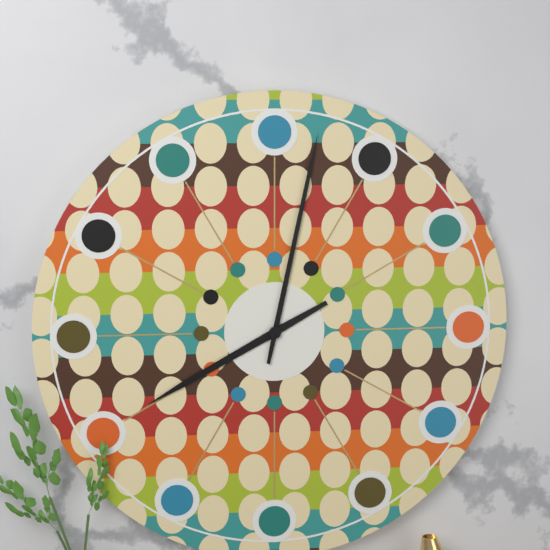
8:02
